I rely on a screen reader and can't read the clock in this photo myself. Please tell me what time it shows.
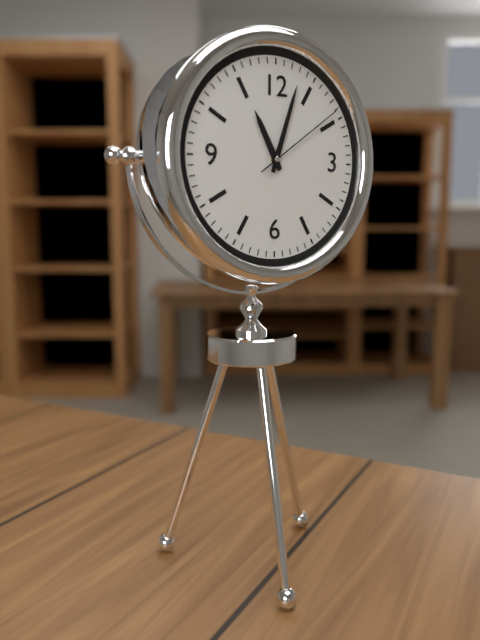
11:03:09
